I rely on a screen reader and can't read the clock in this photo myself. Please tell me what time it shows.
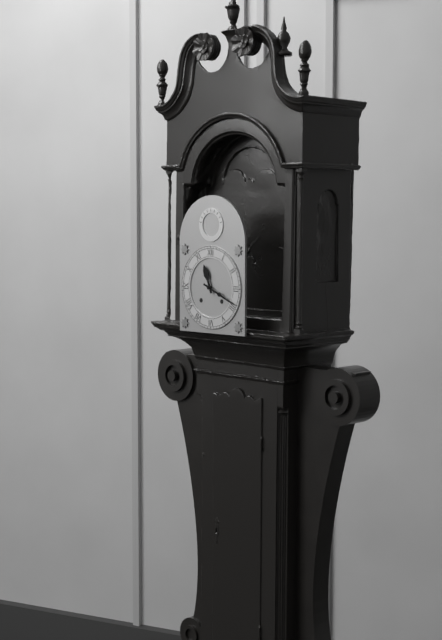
11:19
